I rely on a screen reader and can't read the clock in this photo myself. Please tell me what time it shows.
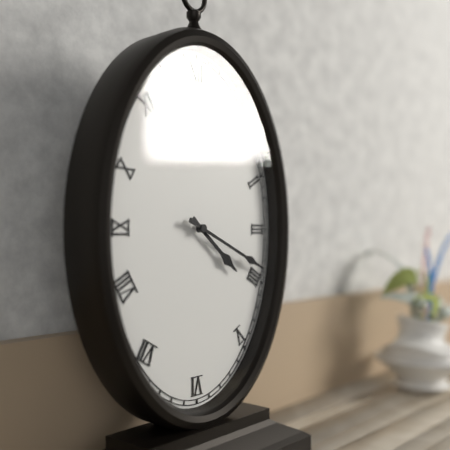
4:19
